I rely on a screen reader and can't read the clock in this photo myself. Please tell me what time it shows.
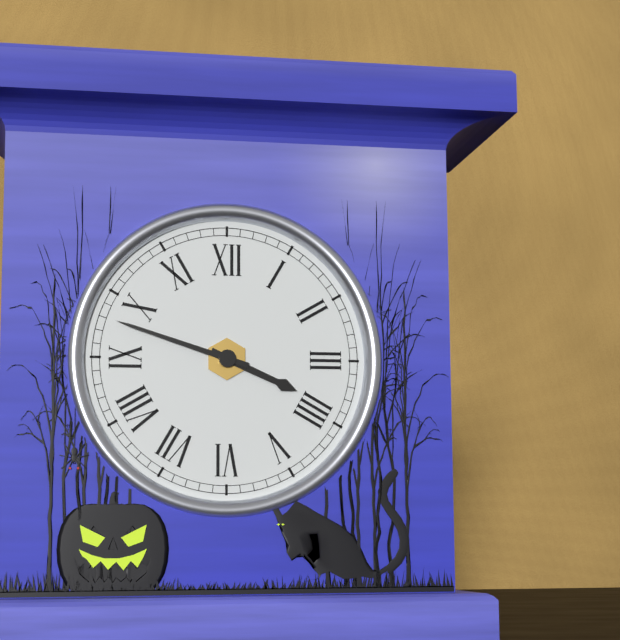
3:48
